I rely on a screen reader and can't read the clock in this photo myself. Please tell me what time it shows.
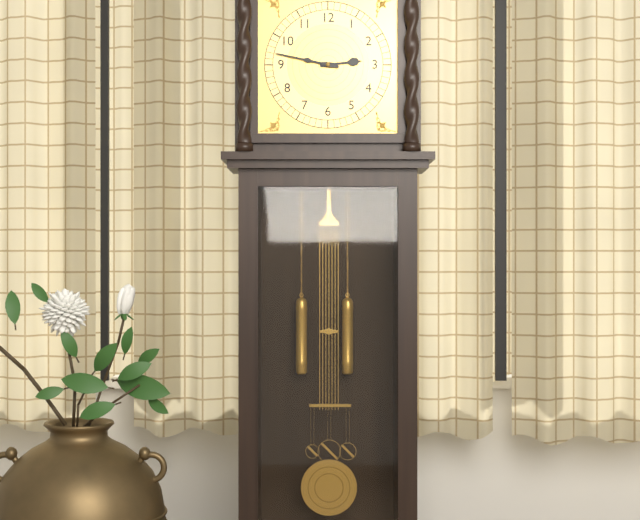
2:47
